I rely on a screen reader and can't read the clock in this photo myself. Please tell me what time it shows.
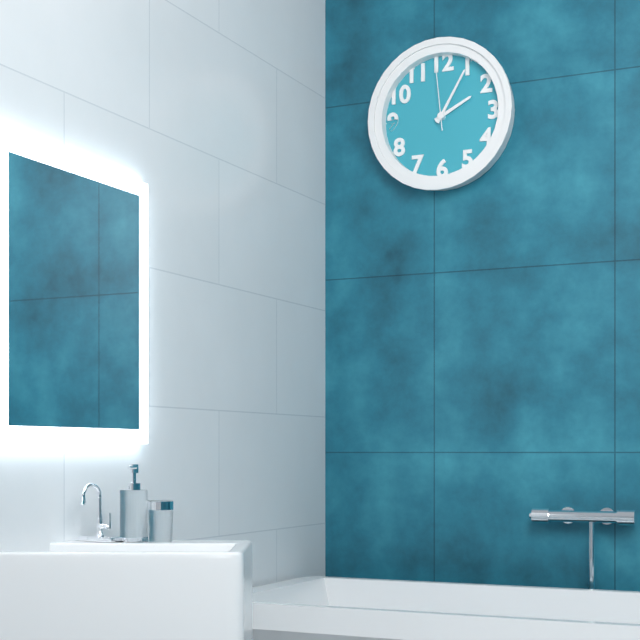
2:05:59
